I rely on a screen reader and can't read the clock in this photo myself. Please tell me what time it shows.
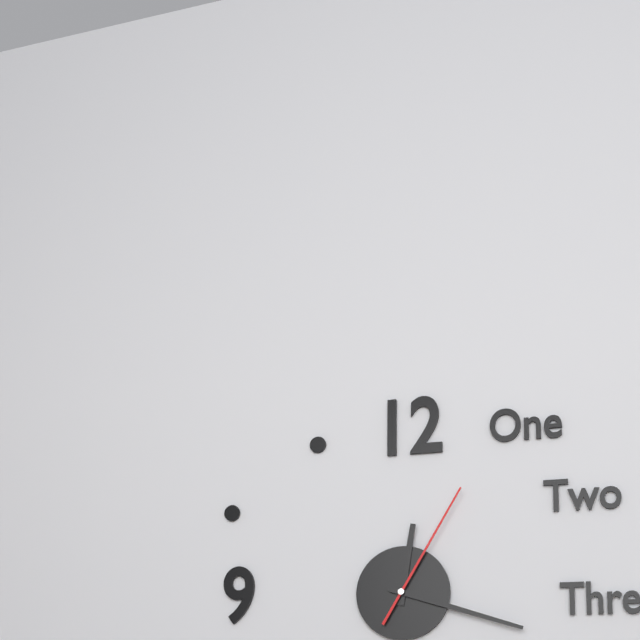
12:18:05
